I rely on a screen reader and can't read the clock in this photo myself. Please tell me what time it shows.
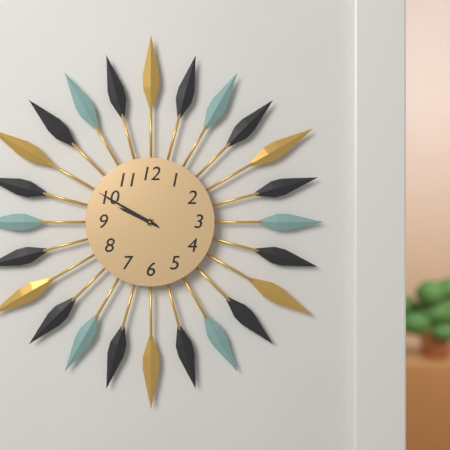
9:50
